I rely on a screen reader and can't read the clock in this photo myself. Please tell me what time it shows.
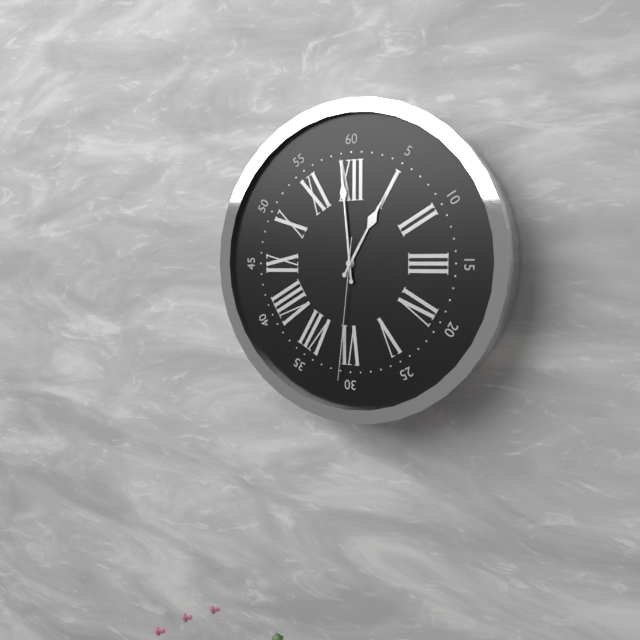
12:59:31
